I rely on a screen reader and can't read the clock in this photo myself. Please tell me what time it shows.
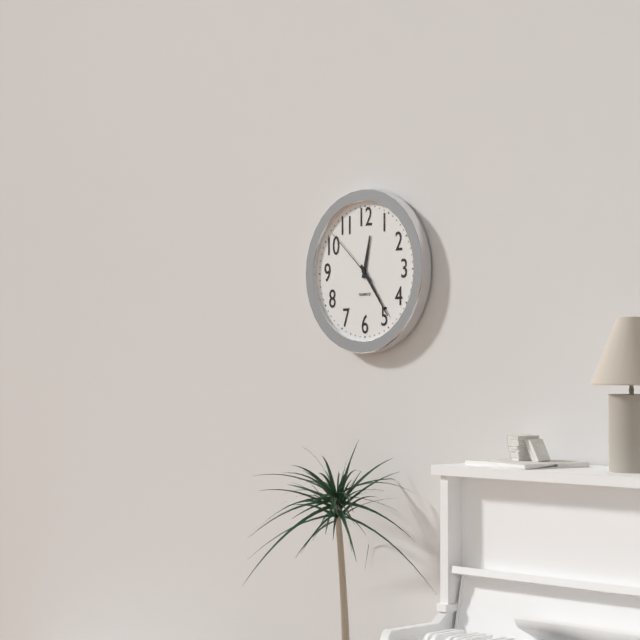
12:24:52
